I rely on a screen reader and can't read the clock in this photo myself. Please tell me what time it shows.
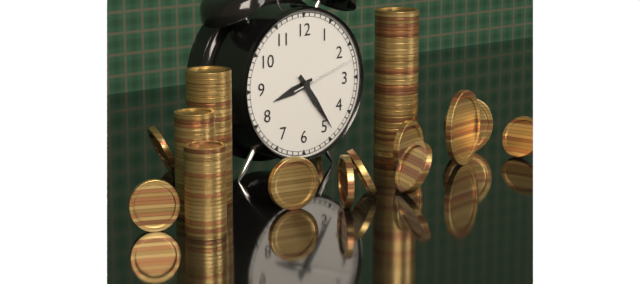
8:24:12
